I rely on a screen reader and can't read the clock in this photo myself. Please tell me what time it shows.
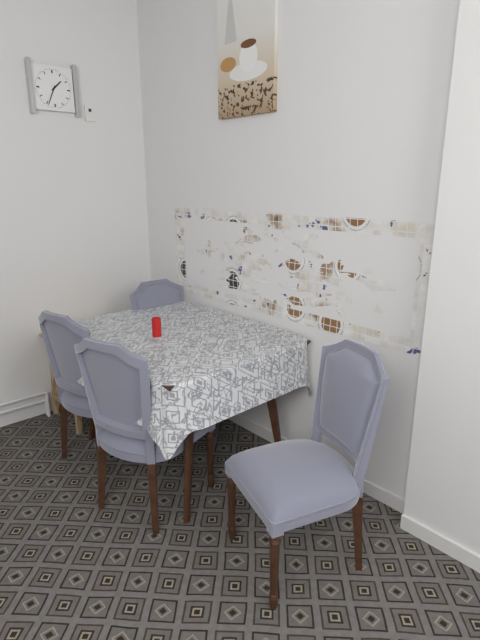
1:34
